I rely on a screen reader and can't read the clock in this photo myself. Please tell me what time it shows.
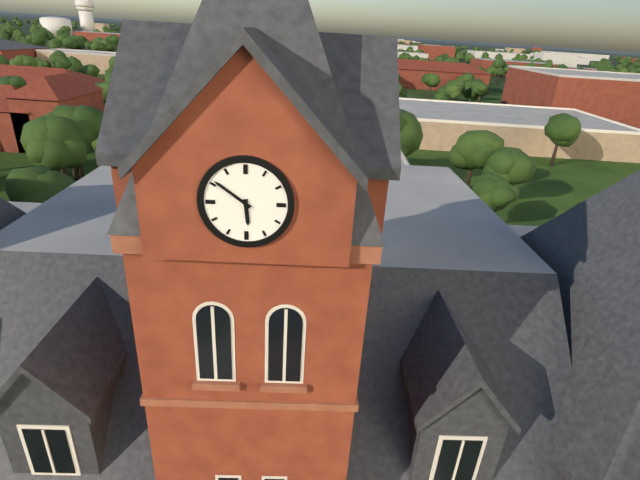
5:51
